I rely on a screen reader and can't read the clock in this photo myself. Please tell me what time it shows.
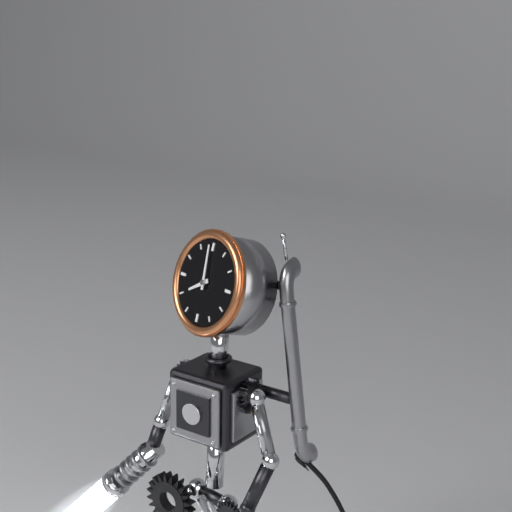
7:59
